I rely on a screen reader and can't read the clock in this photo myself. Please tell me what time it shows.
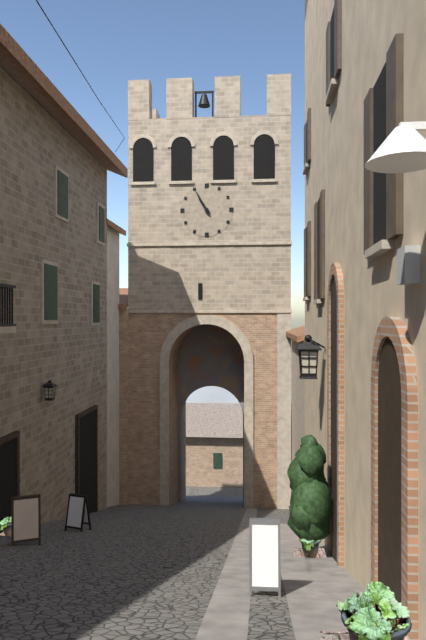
10:55
